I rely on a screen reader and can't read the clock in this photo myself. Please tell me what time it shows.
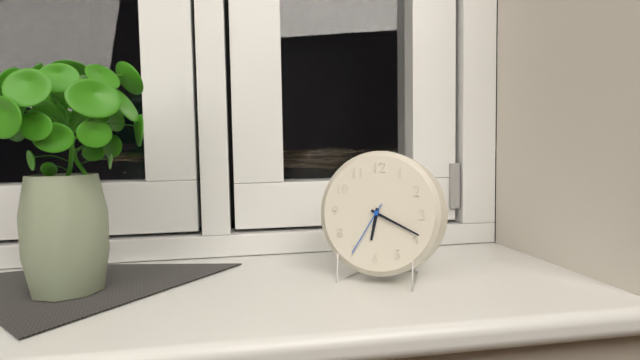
6:19:35
